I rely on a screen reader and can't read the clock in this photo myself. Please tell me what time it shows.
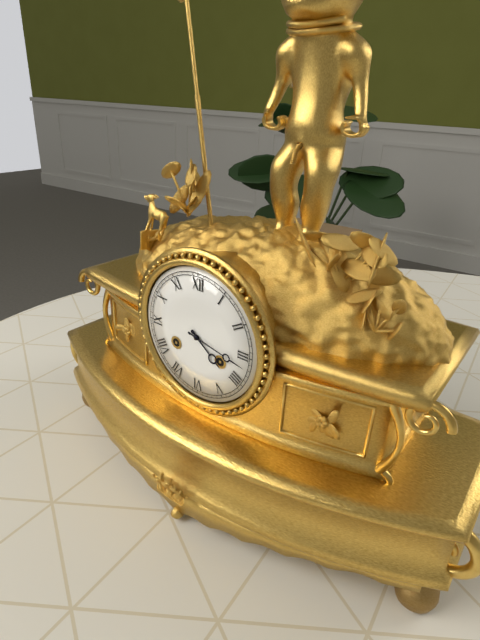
4:17
